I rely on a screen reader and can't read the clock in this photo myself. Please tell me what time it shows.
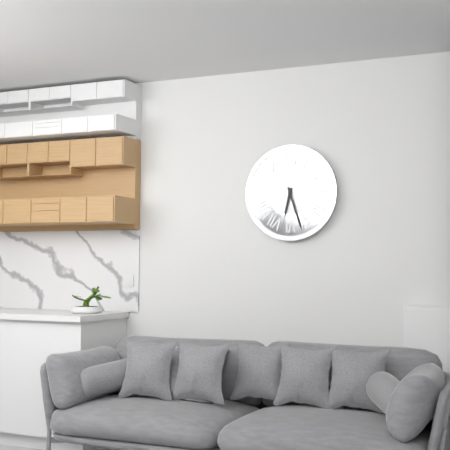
6:27
